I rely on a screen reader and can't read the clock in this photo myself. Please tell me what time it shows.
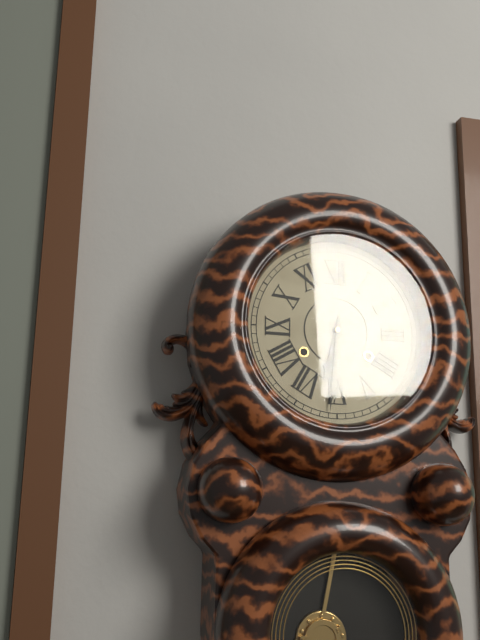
6:31
